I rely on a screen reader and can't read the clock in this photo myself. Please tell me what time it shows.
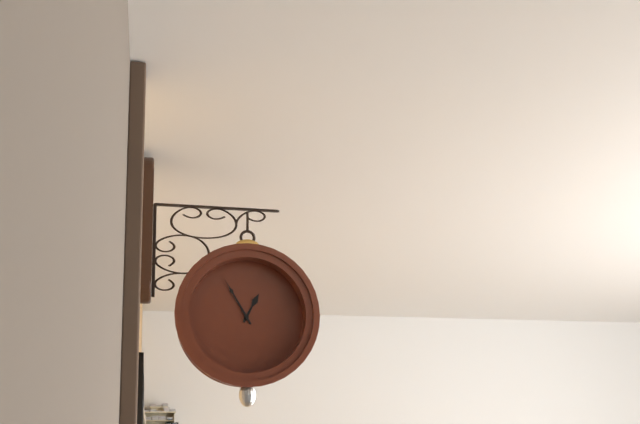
12:55
